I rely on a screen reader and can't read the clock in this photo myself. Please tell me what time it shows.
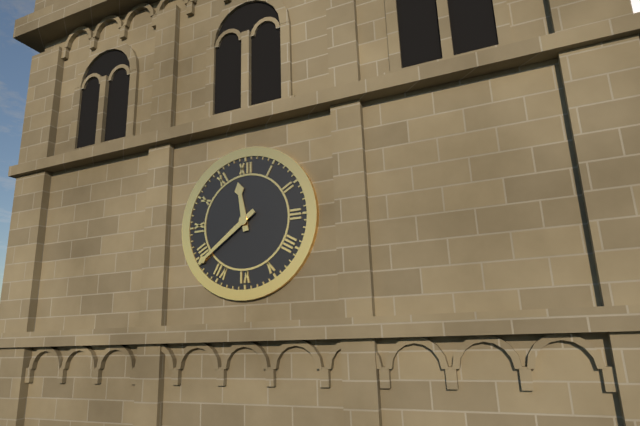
11:39
